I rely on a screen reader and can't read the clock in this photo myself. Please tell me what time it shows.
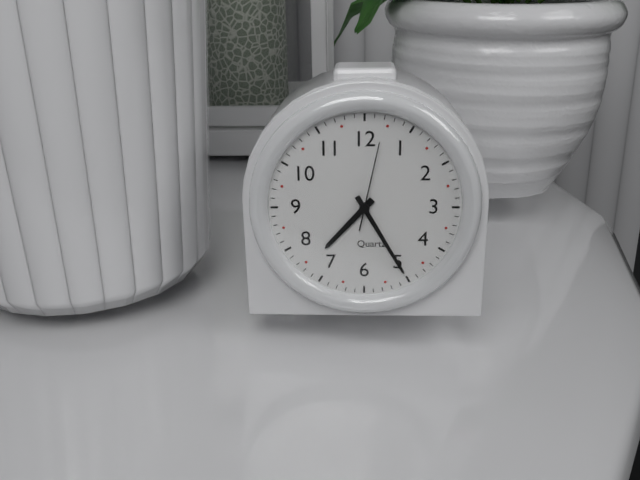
7:25:02
